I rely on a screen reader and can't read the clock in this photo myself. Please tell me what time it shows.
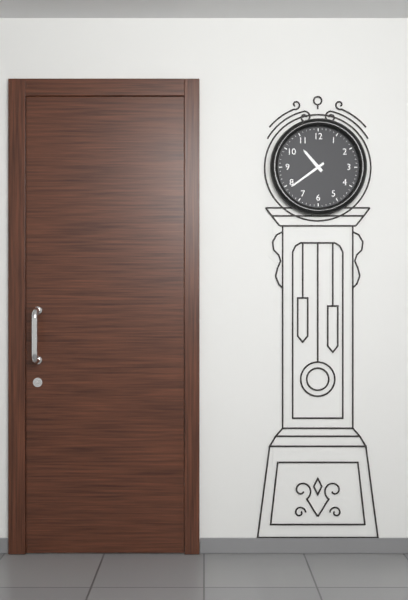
10:39
